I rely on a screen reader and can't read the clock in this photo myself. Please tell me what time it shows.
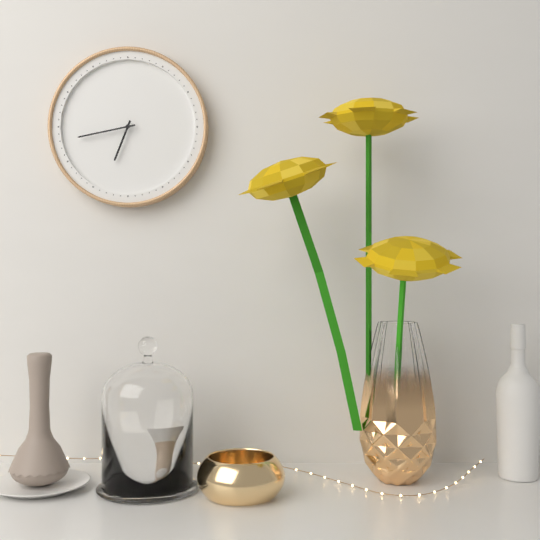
6:43
